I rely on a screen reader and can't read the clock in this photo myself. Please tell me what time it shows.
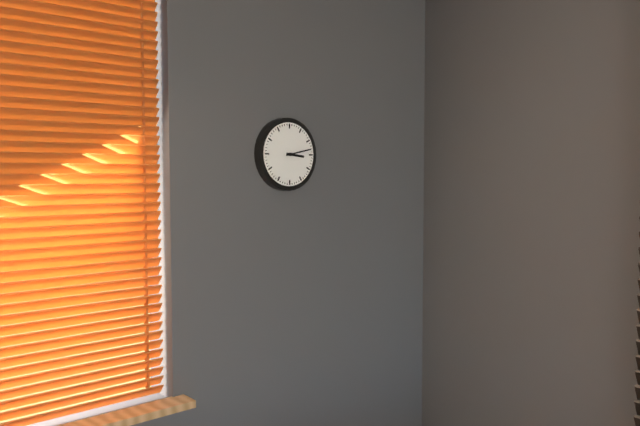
3:13
